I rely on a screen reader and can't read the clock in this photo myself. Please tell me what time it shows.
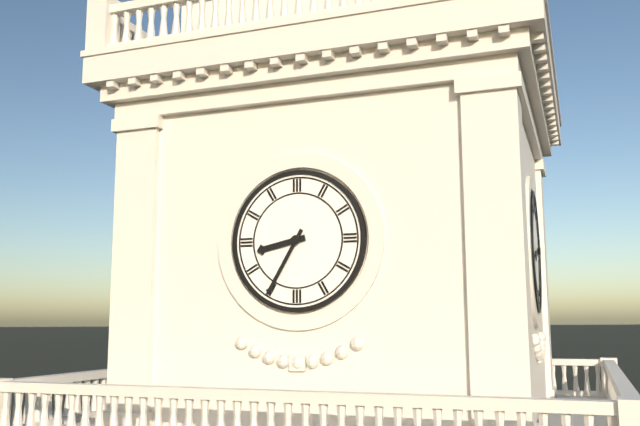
8:35
